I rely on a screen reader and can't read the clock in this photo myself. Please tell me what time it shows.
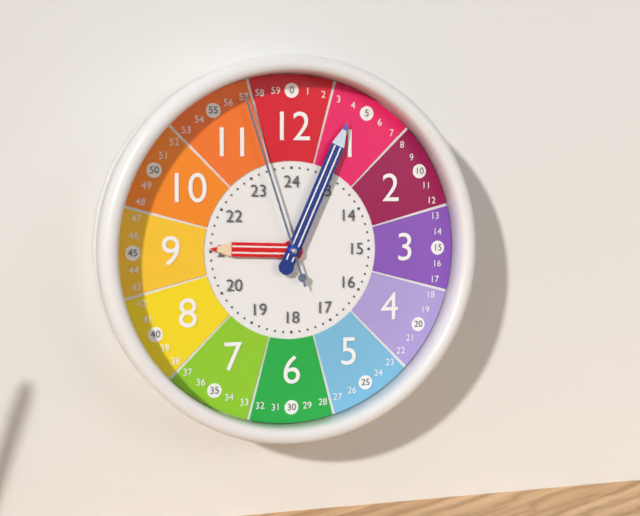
9:04:57
